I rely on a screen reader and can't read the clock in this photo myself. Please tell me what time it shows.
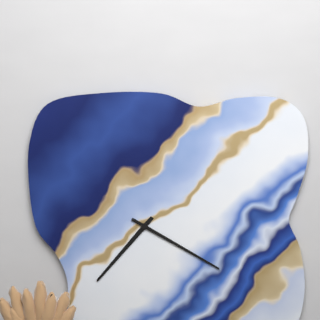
7:20
